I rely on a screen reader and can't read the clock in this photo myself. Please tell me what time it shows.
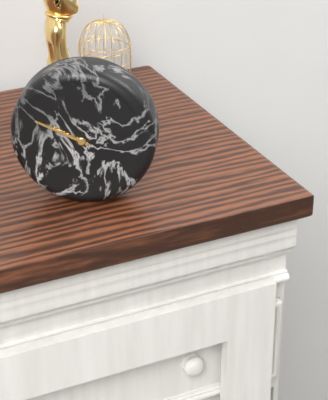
9:49
